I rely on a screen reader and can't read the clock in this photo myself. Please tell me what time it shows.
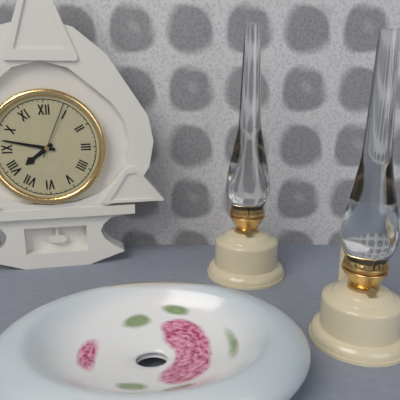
7:47:04
